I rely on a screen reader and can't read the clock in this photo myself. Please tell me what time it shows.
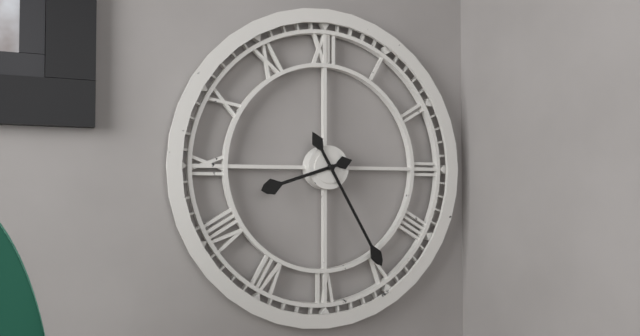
8:25
